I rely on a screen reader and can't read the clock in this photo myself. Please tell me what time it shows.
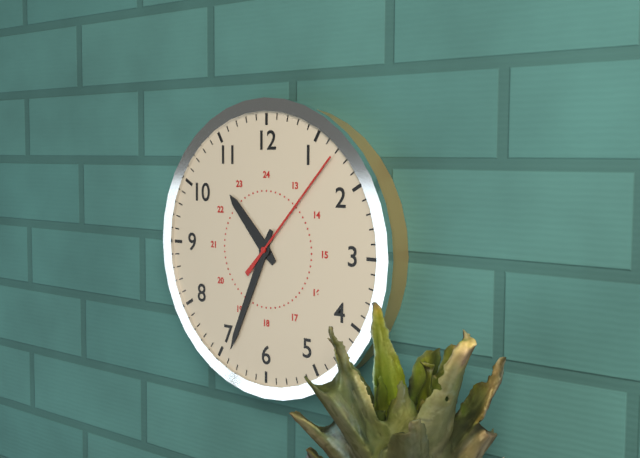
10:34:07
